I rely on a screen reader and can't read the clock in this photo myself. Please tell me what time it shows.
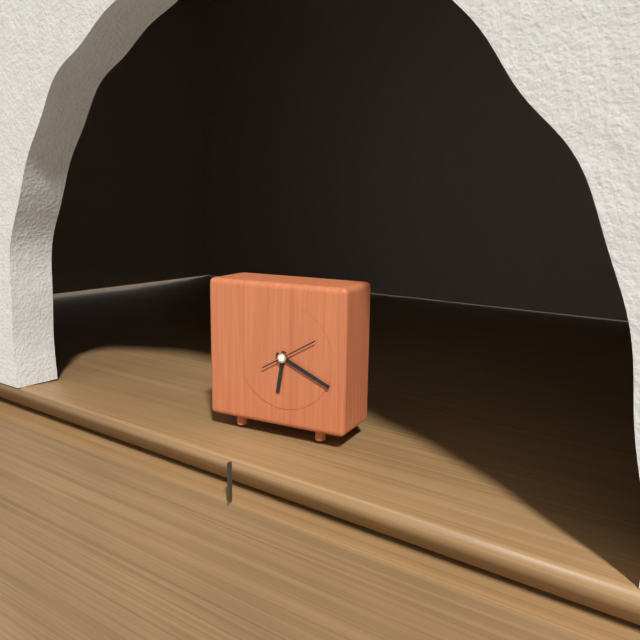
6:19
